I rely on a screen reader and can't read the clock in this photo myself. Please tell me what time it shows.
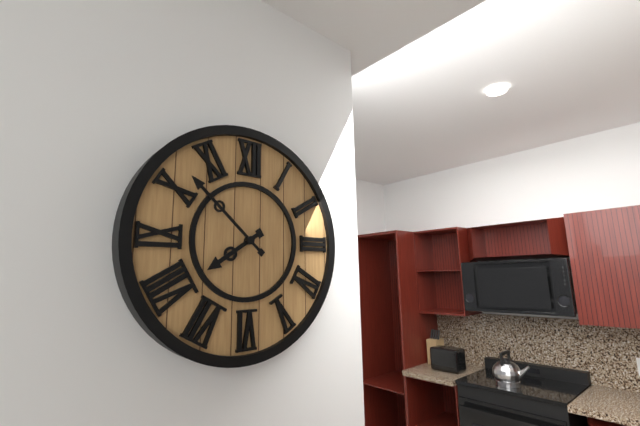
7:52
